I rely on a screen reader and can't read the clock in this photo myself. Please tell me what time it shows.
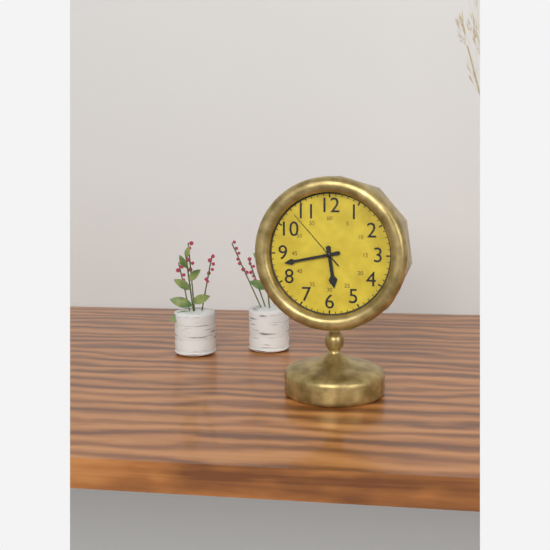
5:43:53
